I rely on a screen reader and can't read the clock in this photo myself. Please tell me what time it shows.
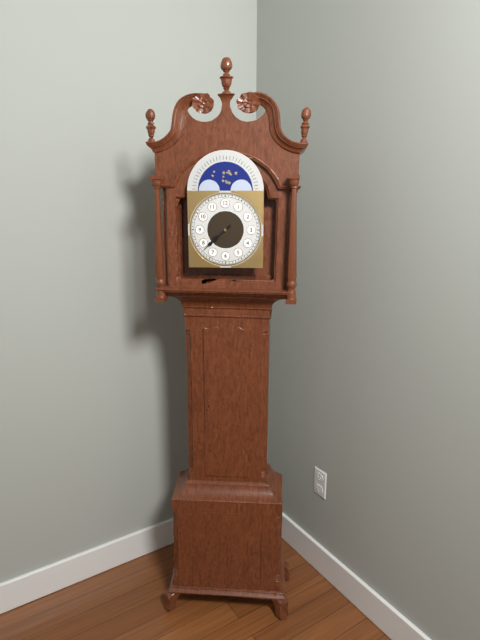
7:38
